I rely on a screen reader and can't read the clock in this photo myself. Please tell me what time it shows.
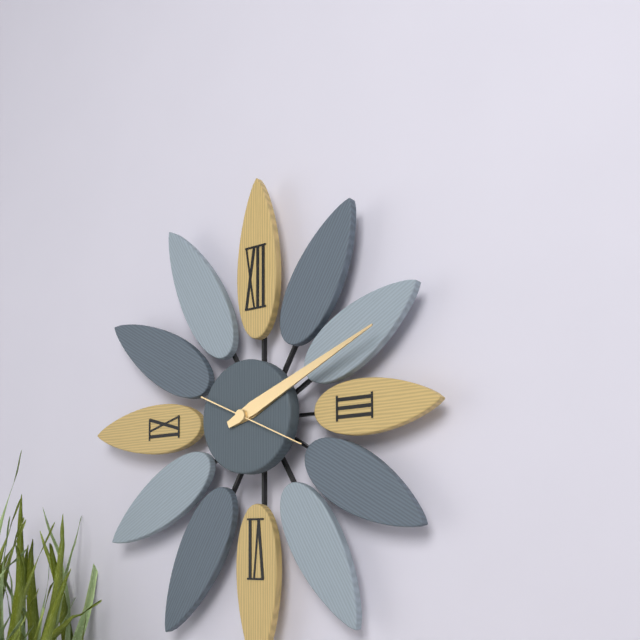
2:11
